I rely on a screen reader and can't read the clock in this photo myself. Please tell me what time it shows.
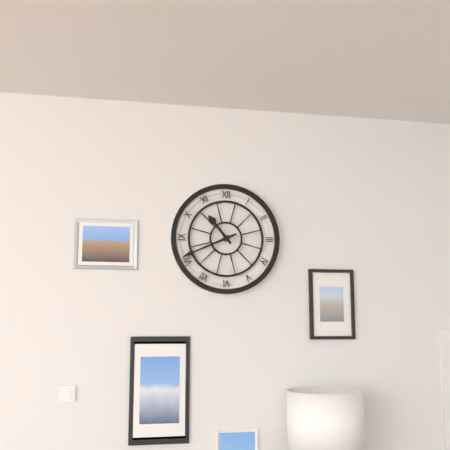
10:41
